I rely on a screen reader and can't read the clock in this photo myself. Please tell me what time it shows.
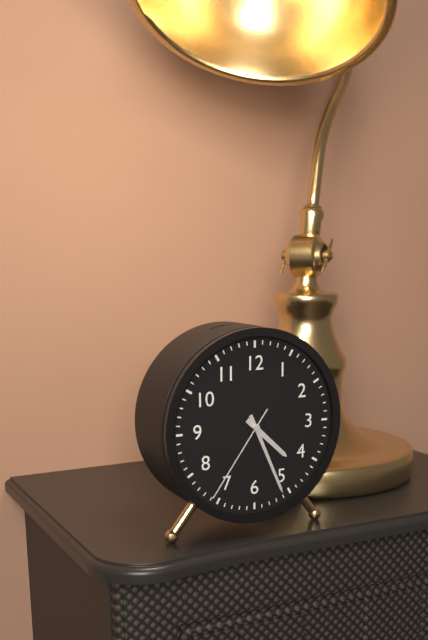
4:26:36
